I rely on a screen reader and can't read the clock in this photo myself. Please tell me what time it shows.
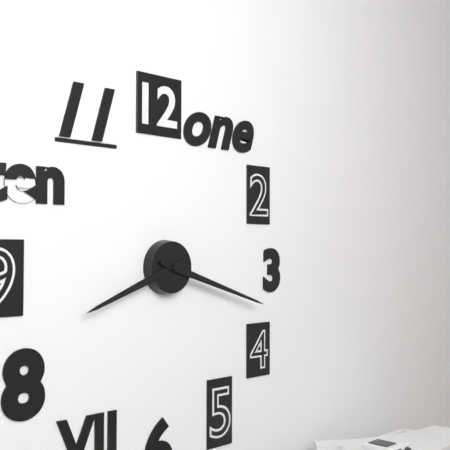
8:18
